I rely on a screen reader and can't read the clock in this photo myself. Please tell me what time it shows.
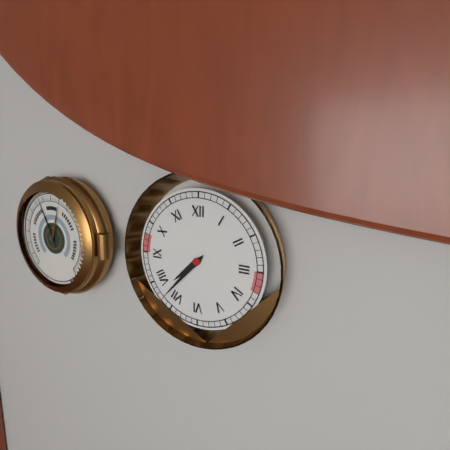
7:37
